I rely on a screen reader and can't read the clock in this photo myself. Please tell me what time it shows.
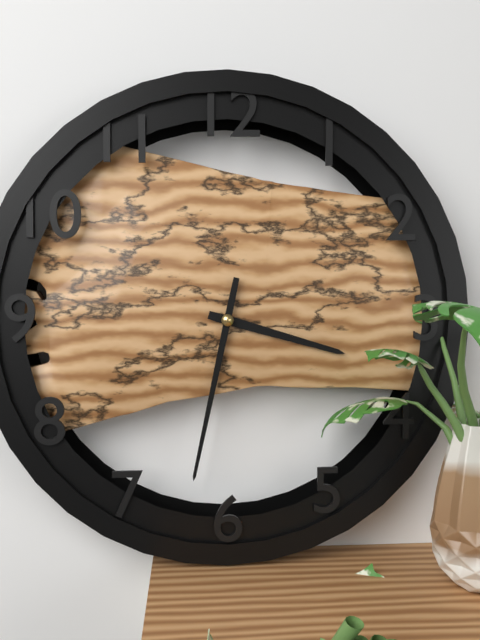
3:32
